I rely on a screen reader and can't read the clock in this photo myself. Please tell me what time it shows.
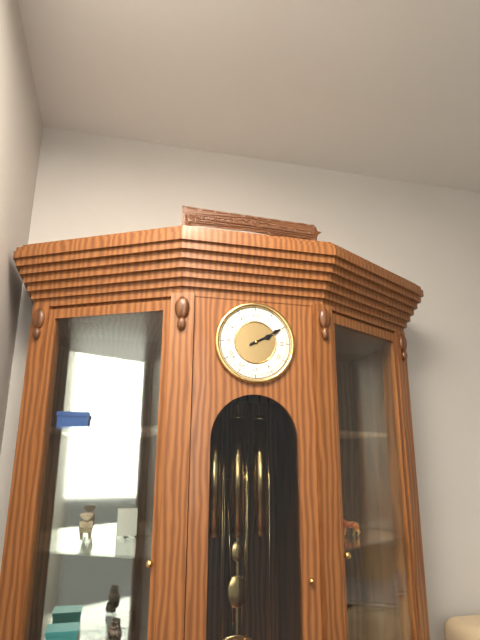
2:10
